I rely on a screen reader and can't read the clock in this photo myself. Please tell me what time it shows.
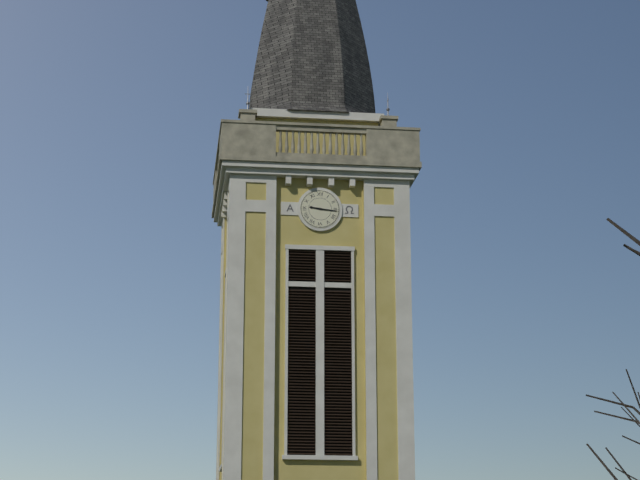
9:16
